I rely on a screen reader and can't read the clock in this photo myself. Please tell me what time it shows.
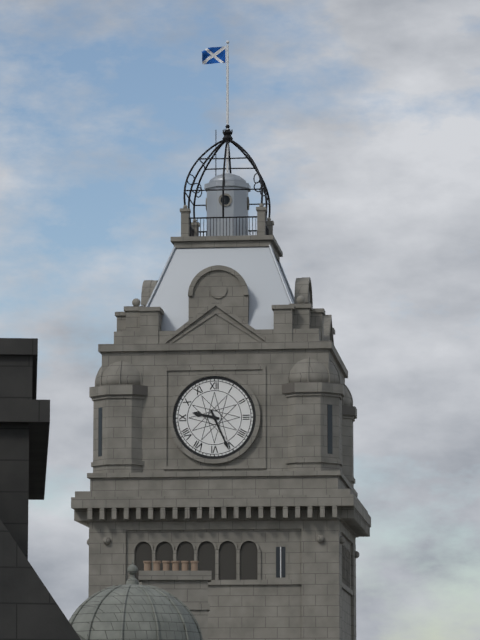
9:26
